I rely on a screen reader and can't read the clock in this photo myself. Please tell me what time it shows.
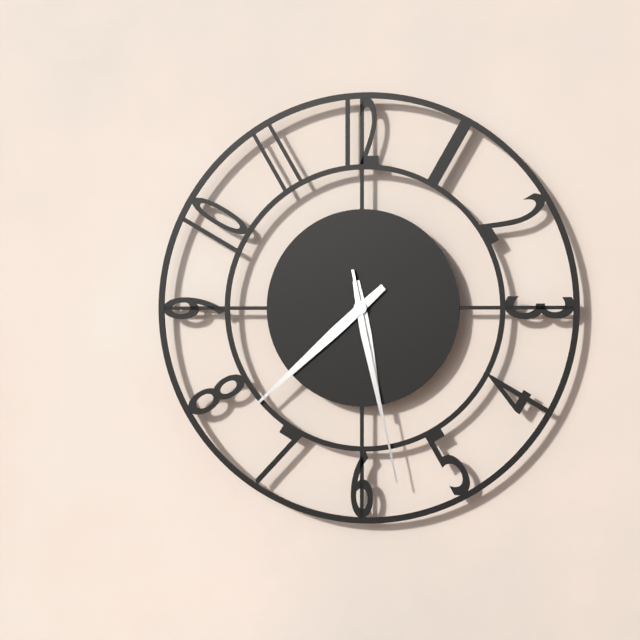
5:38:28
